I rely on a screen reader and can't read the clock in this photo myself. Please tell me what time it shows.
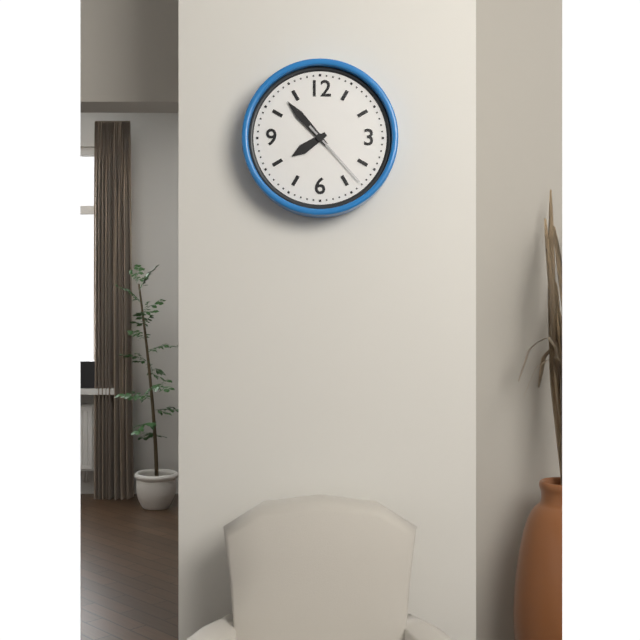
7:53:23
